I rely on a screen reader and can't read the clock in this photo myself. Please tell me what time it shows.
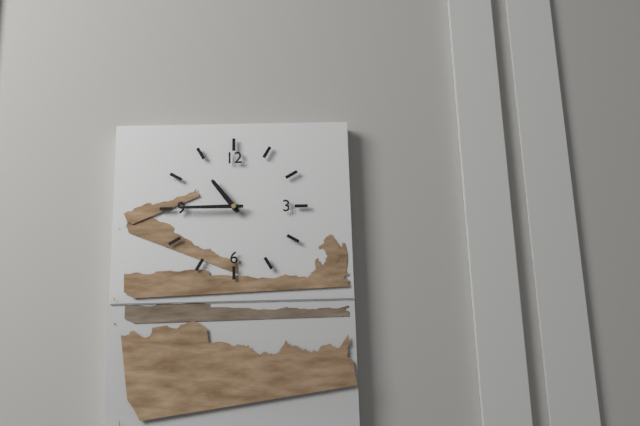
10:45
